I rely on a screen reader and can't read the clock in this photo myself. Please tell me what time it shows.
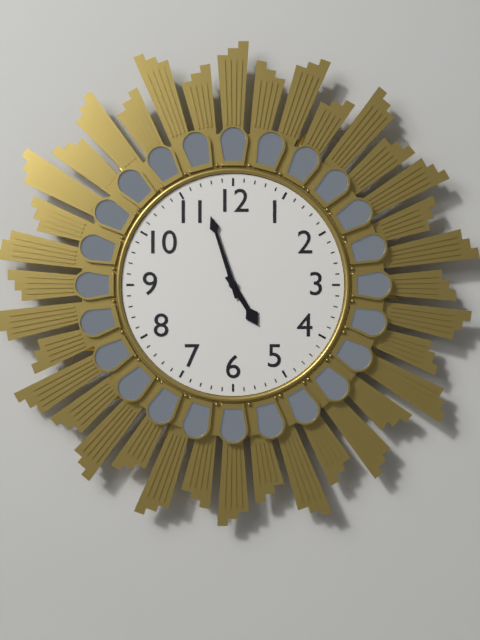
4:57
